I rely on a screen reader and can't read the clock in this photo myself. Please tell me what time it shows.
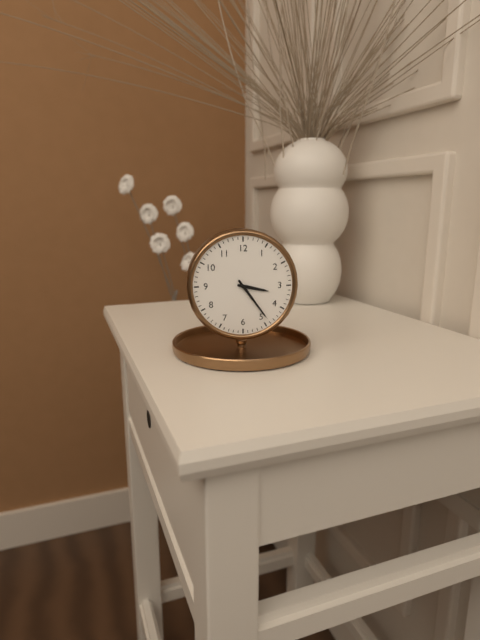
3:24
